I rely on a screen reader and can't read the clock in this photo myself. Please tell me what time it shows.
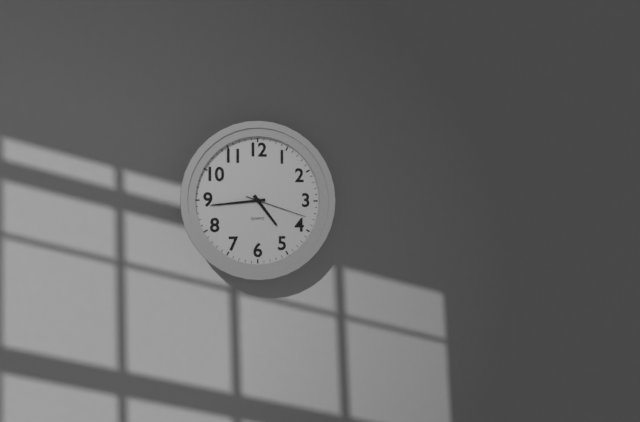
4:44:18
